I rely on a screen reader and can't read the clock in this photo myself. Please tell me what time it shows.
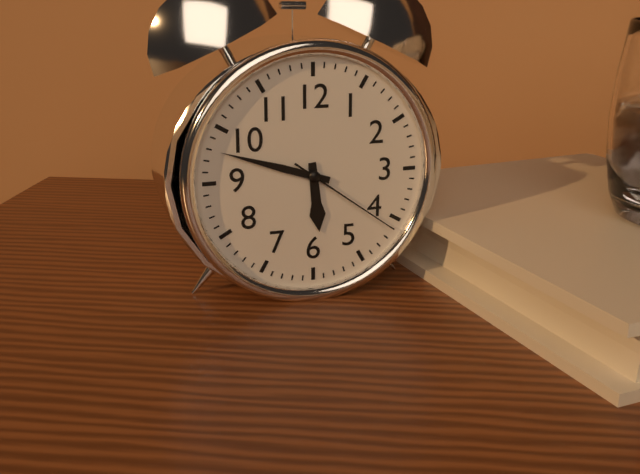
5:48:21
